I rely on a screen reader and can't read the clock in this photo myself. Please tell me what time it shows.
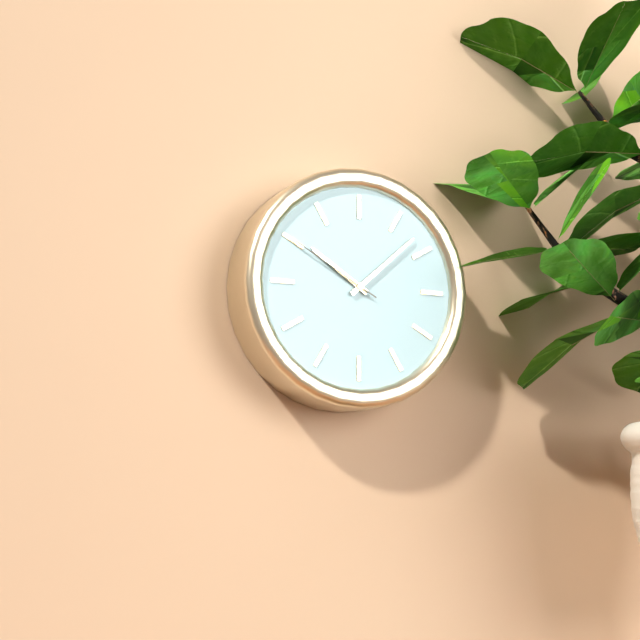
10:08:50
